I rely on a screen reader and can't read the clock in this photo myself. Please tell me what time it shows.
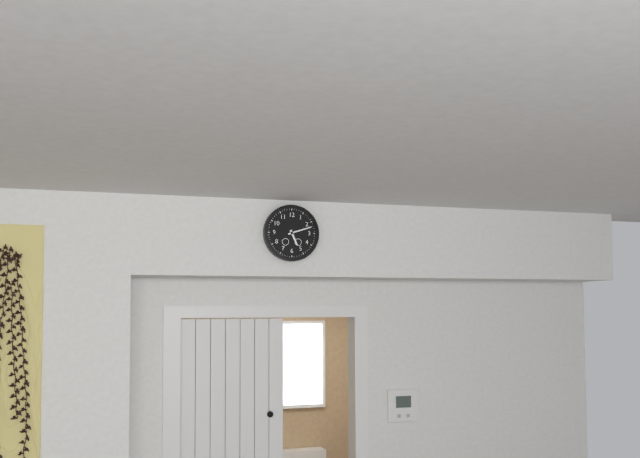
5:12
